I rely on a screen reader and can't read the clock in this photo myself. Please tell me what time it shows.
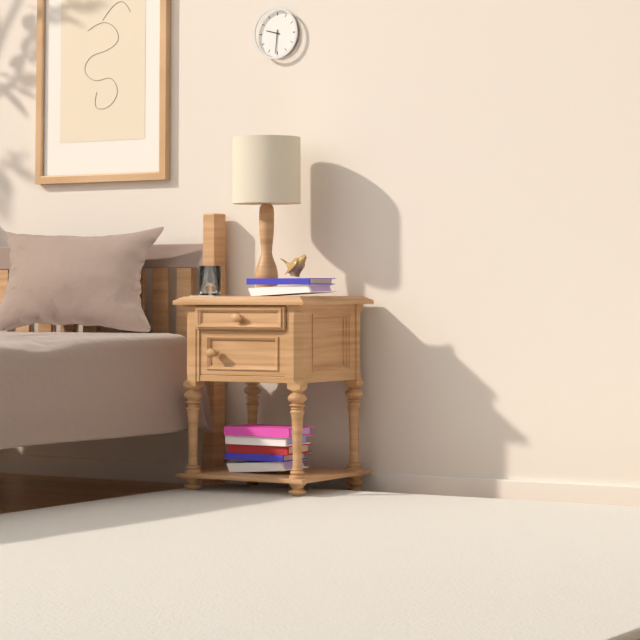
9:31
